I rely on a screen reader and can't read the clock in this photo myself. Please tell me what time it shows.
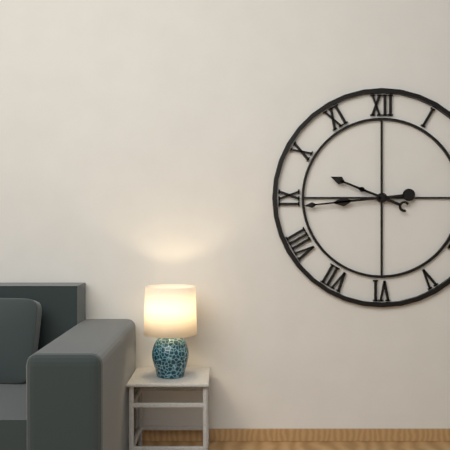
9:44
